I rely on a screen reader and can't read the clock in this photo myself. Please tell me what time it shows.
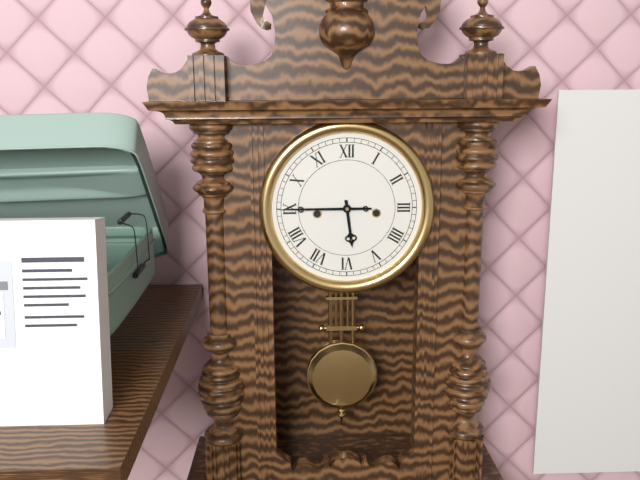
5:45
